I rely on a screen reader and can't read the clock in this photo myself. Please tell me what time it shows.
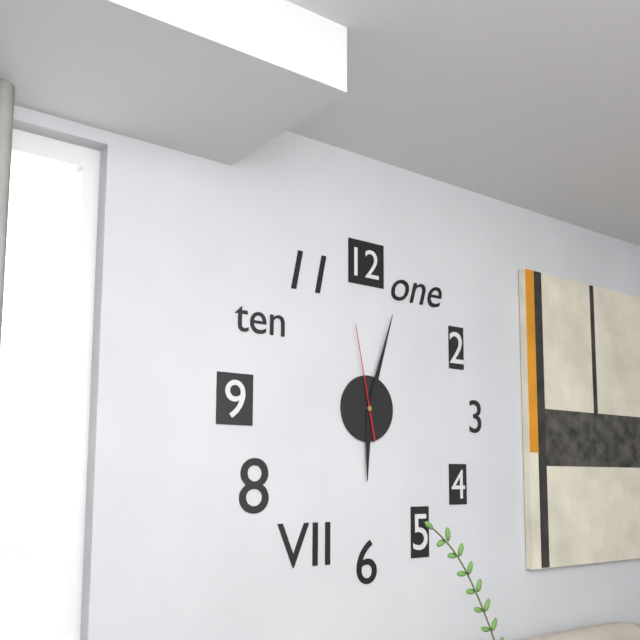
6:03:58
